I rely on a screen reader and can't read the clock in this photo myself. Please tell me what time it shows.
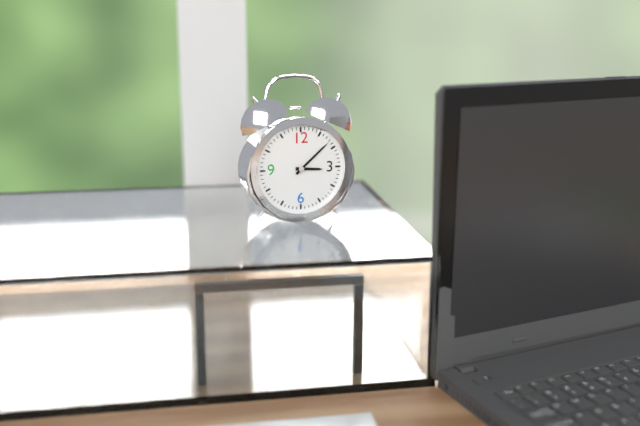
3:08
